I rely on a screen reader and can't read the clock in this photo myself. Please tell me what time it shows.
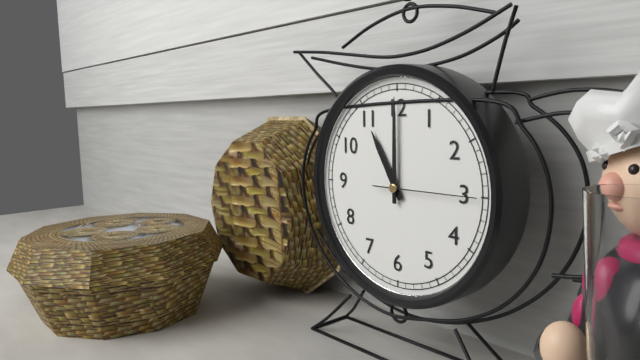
11:00:15
